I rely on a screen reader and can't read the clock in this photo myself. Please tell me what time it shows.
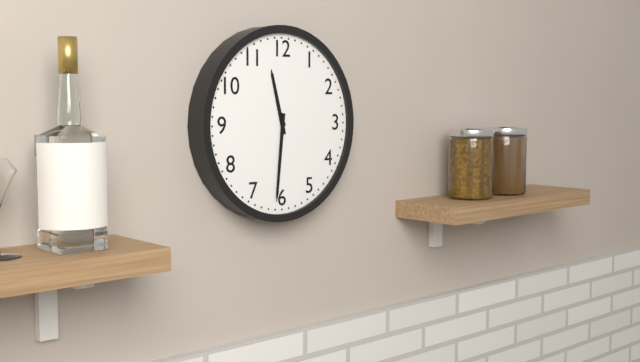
11:31
